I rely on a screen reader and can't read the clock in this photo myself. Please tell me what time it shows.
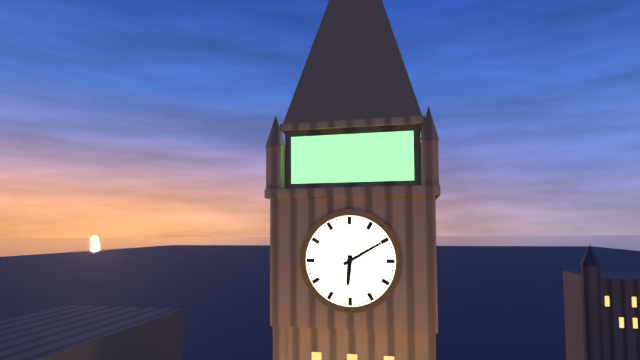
6:10
